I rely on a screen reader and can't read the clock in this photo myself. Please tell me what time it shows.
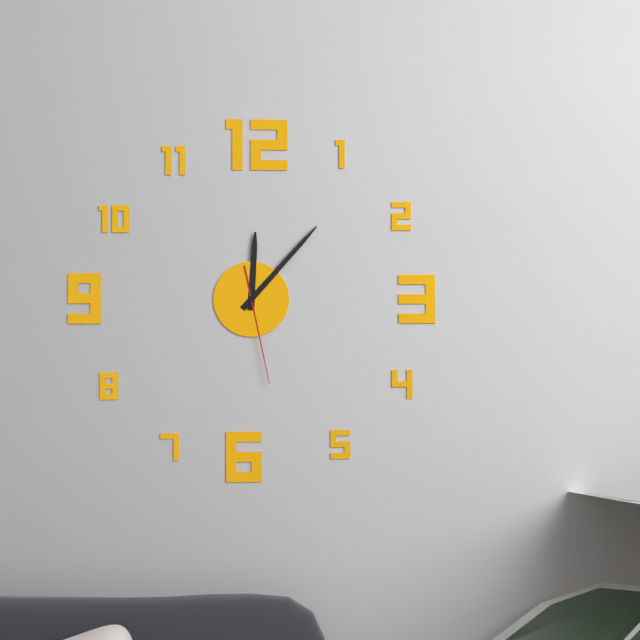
12:07:28
